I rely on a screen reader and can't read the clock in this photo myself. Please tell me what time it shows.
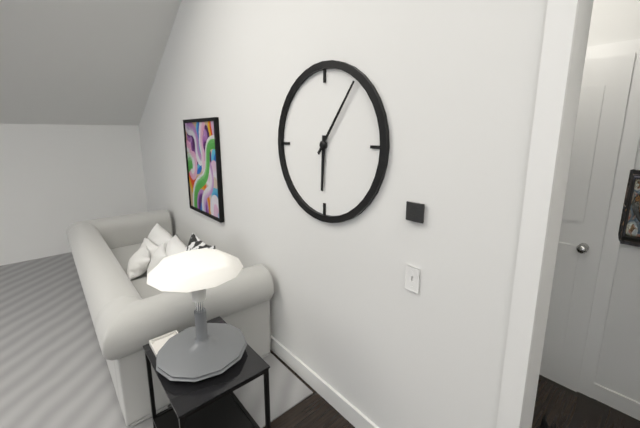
6:06
